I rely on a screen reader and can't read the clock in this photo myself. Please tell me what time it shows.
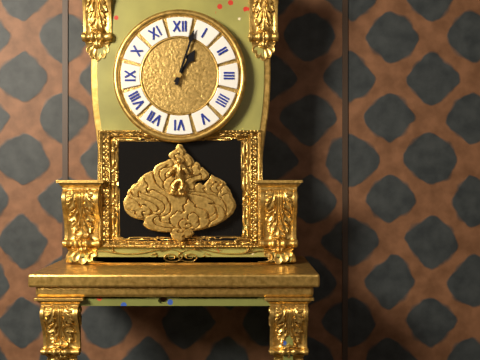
1:03
